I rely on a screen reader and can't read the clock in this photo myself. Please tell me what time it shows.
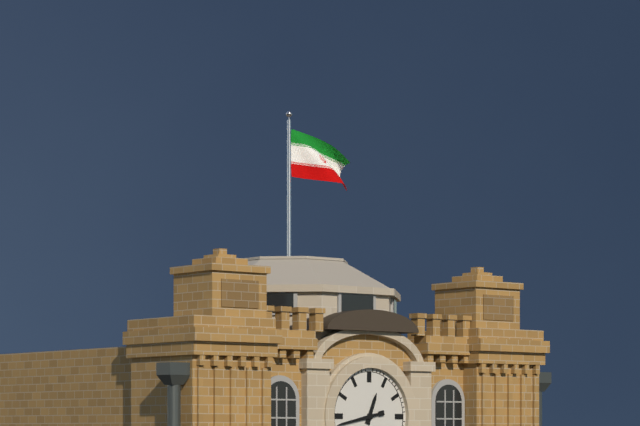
12:43
